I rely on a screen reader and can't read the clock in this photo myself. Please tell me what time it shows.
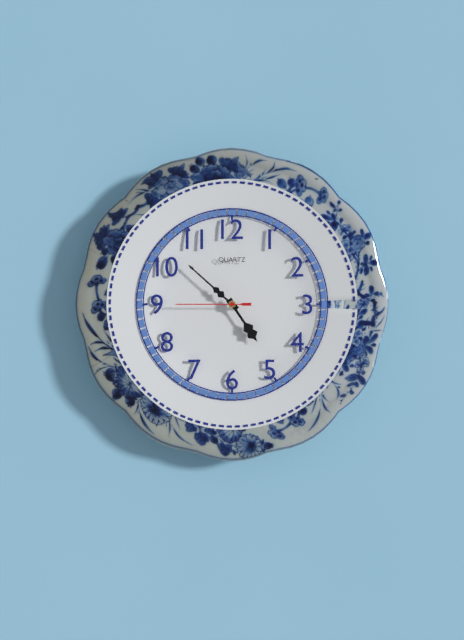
4:52:45
